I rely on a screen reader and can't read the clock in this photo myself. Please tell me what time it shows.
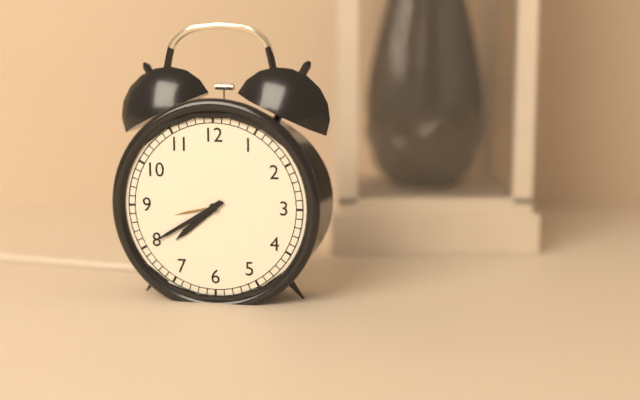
7:40
